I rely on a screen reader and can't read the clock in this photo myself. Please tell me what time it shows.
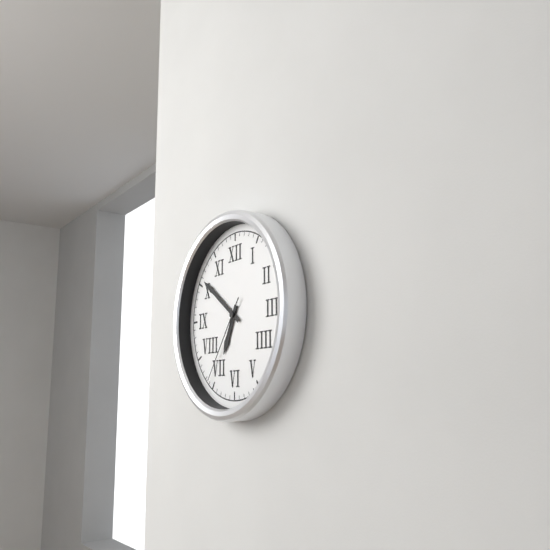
6:51:36
